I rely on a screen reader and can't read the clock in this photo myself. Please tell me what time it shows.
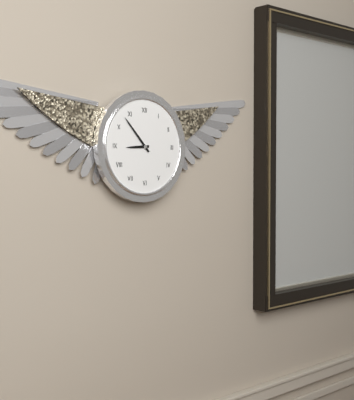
8:53
